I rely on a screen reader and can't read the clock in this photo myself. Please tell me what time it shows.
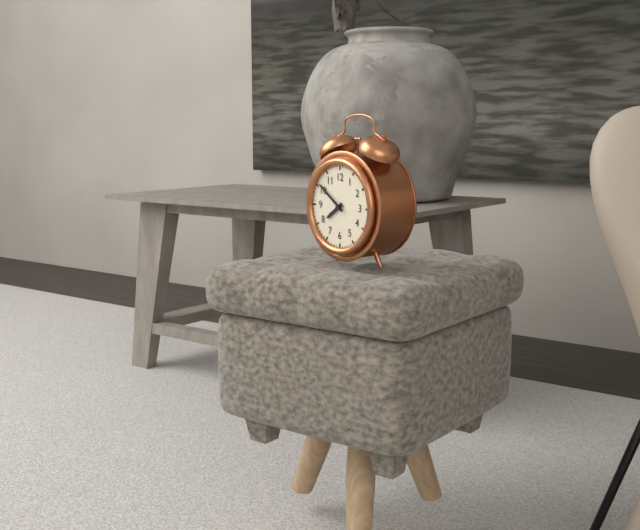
7:51
